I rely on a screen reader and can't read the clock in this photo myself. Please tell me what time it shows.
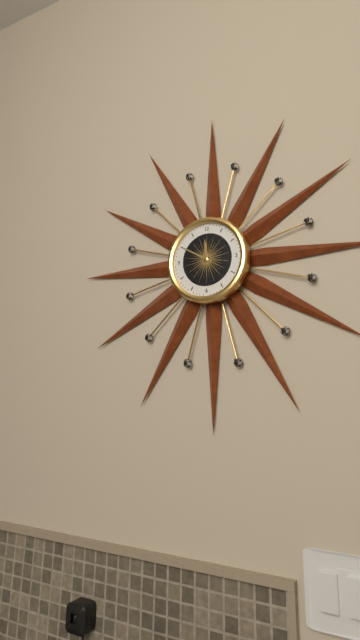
11:50
